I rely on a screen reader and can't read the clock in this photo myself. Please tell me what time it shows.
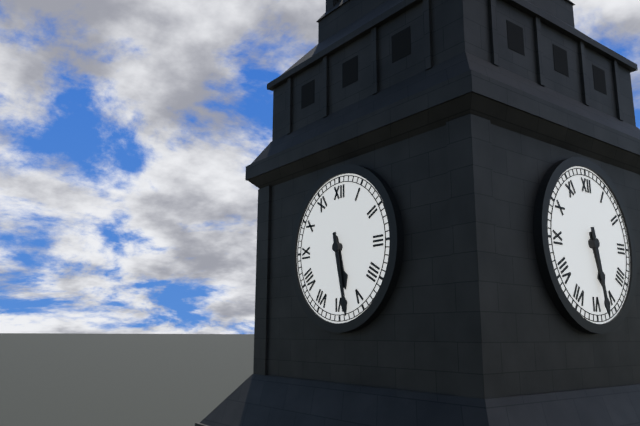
5:28
